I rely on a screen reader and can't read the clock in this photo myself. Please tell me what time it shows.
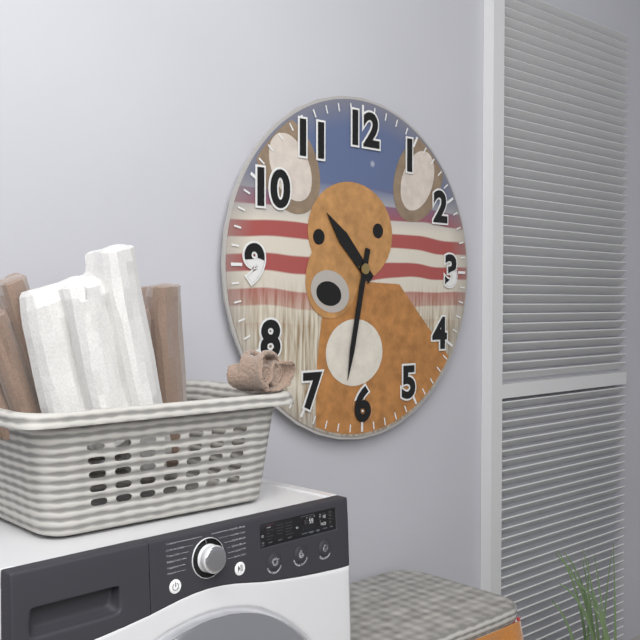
10:32
